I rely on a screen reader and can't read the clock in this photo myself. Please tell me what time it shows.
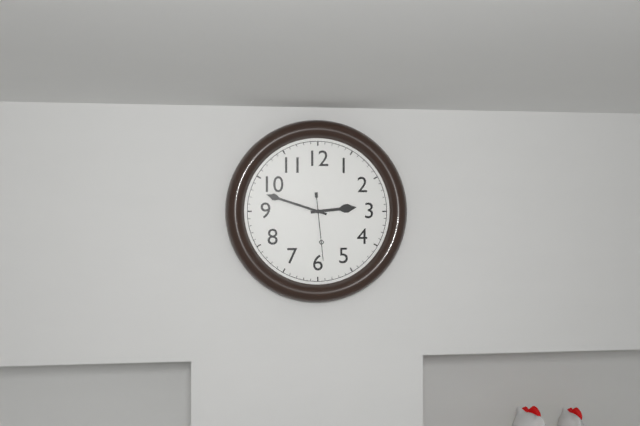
2:48:29
